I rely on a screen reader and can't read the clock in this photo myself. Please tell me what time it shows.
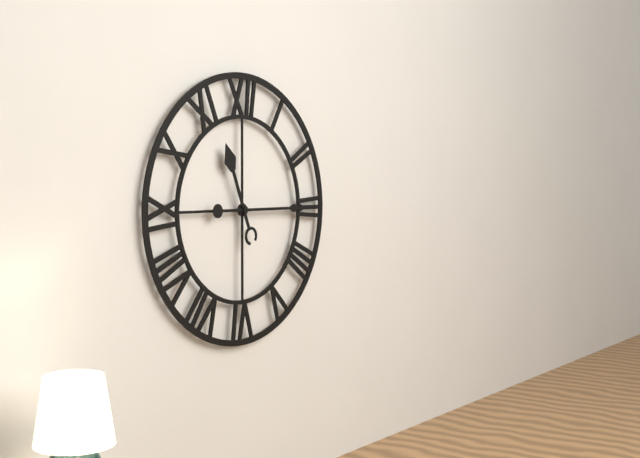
11:15
